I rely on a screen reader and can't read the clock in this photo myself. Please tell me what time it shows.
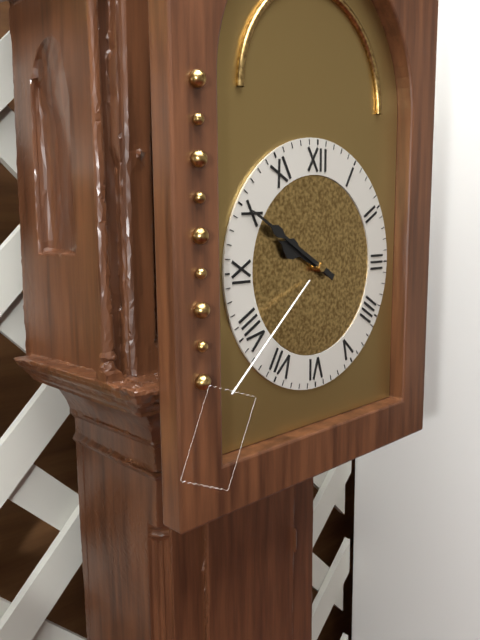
9:50
